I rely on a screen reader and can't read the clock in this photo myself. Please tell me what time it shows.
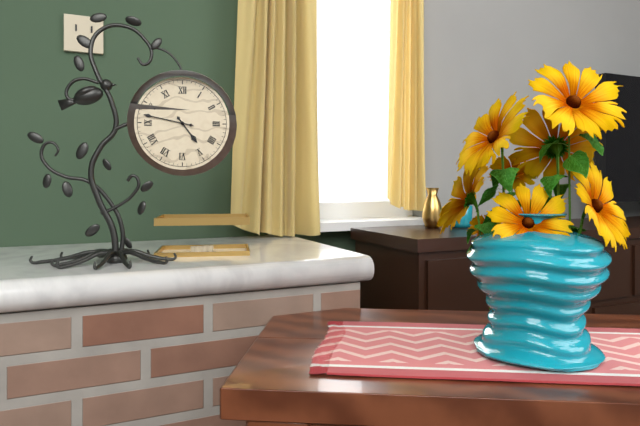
4:47
